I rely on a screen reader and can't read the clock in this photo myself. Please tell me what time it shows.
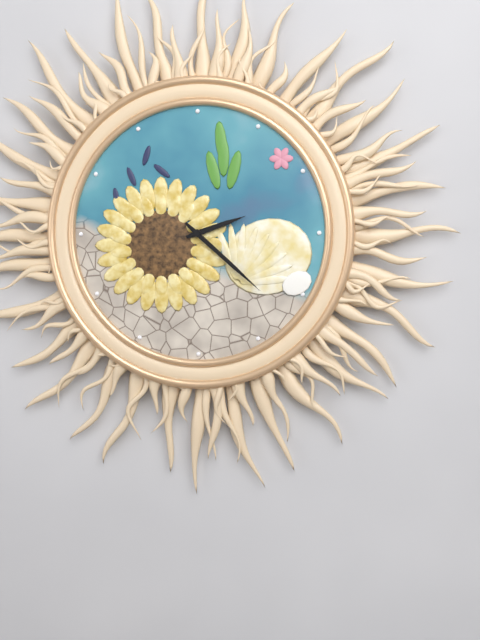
2:22
